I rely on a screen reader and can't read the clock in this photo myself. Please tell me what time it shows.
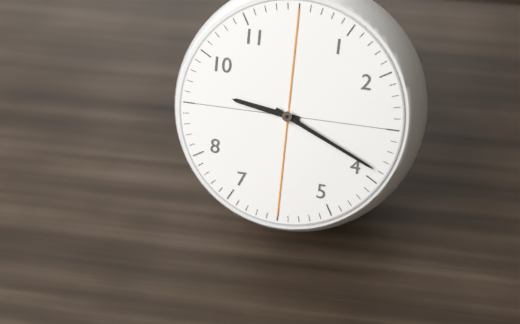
9:19
